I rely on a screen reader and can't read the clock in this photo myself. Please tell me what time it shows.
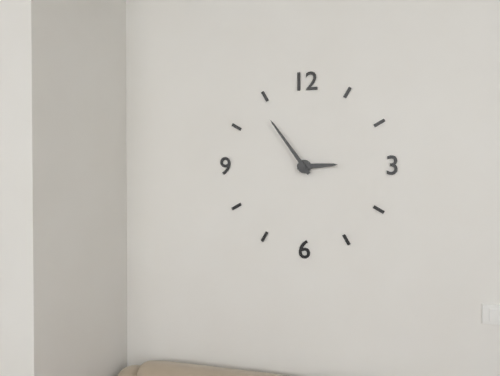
2:54
